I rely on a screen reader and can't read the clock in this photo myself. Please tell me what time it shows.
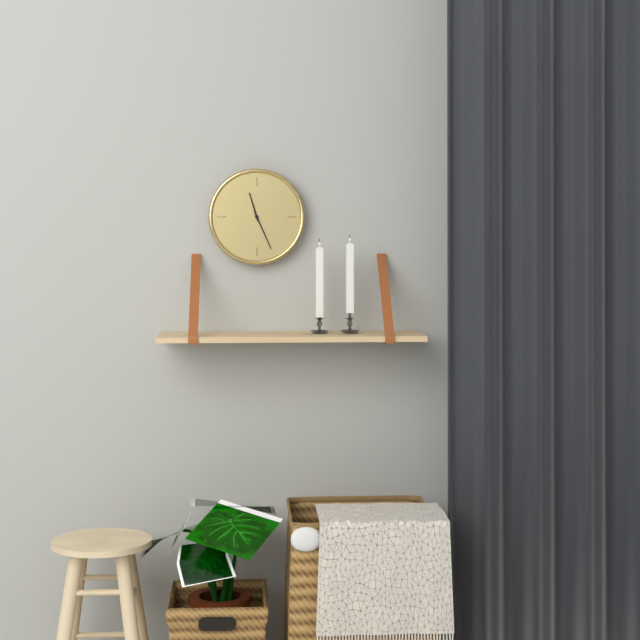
11:26
